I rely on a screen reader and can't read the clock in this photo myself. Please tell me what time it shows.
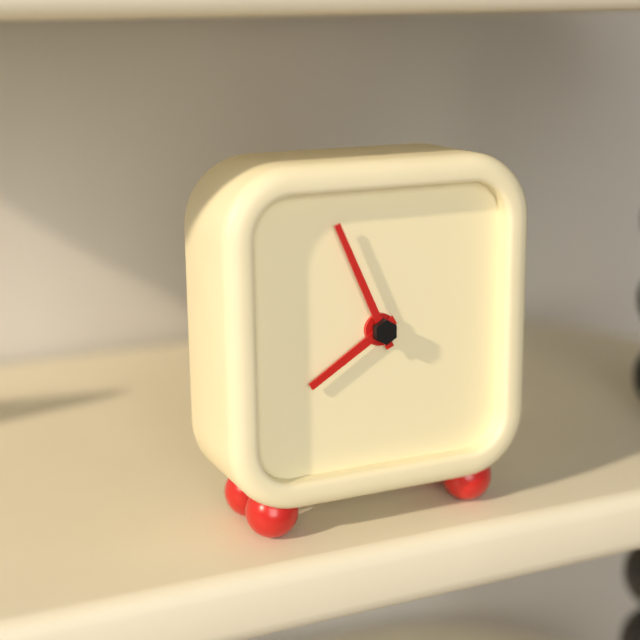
7:56
